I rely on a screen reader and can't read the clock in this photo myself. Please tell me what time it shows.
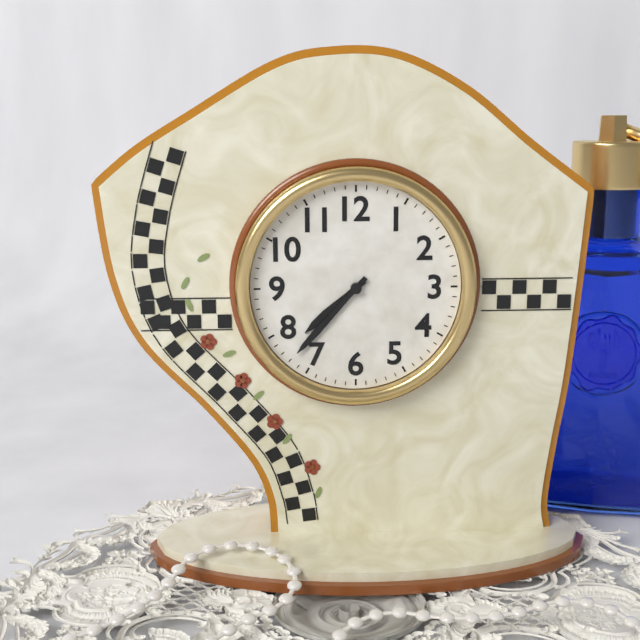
7:37
